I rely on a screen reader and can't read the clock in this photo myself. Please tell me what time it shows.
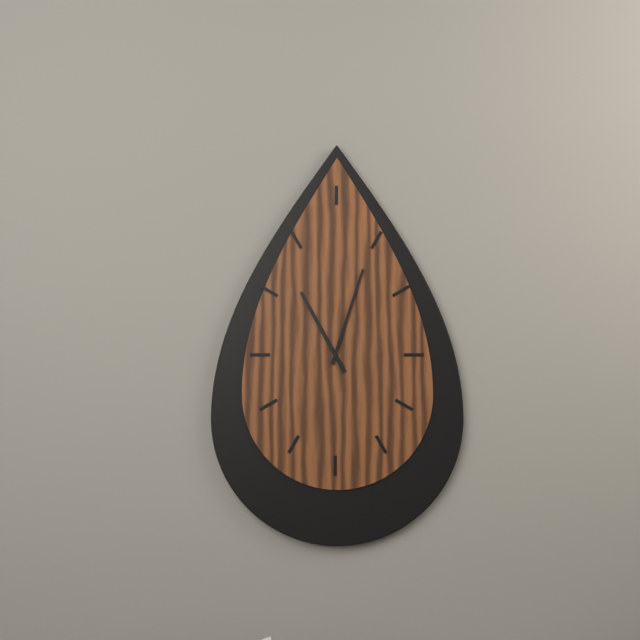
11:03
